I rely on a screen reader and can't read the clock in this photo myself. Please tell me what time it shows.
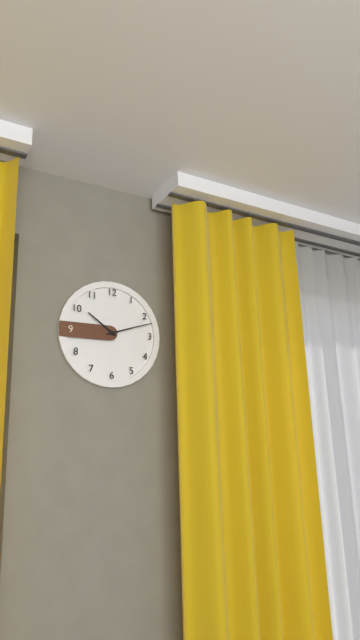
10:12
